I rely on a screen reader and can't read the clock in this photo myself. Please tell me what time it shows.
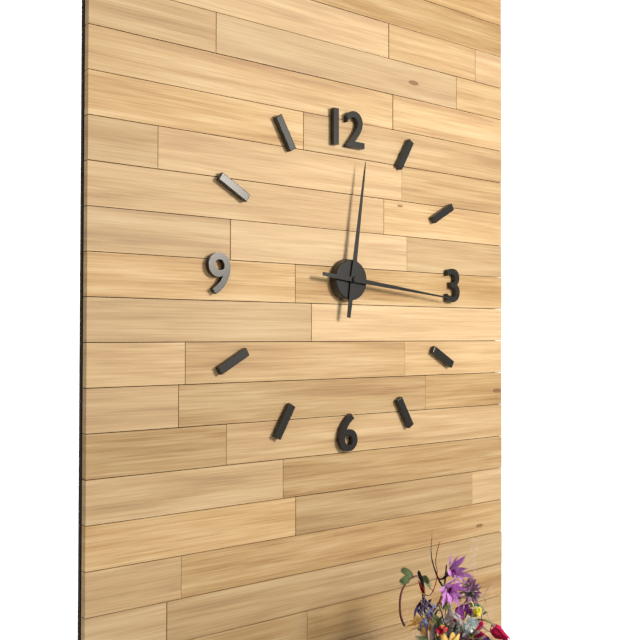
12:16
